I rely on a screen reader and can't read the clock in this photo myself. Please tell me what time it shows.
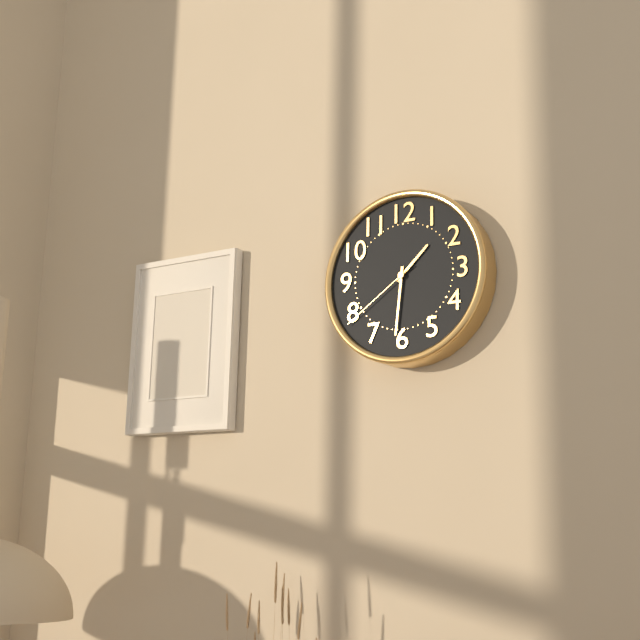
1:31:39
